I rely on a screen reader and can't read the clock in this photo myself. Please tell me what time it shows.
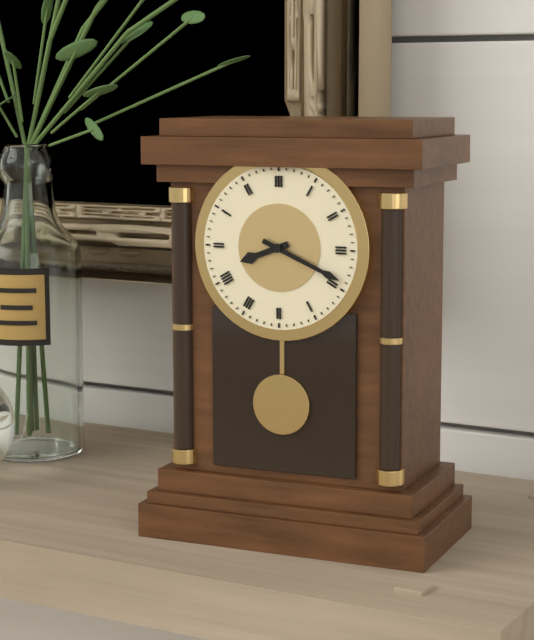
8:19
